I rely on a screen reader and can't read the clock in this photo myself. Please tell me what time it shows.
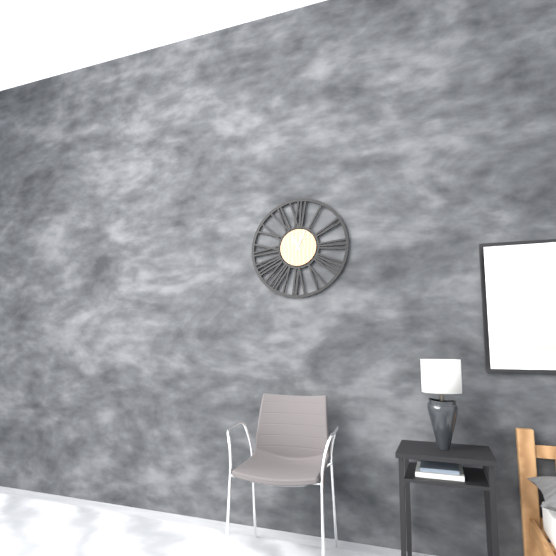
11:04
